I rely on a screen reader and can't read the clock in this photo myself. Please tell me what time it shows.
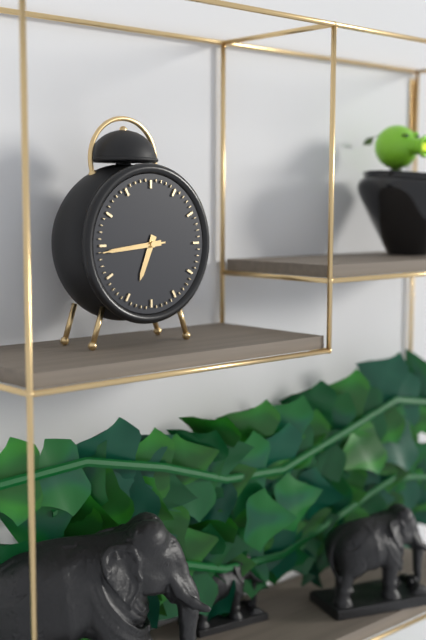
6:44:44
